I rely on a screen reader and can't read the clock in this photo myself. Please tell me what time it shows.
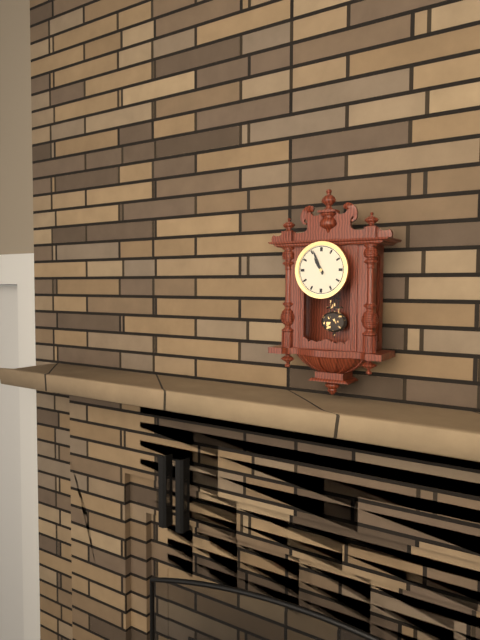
10:56
